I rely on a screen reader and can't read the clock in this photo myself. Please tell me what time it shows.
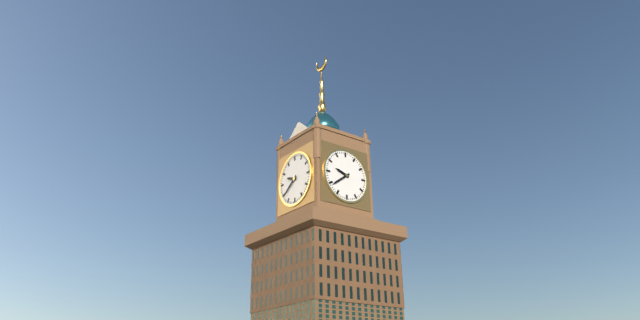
9:39
